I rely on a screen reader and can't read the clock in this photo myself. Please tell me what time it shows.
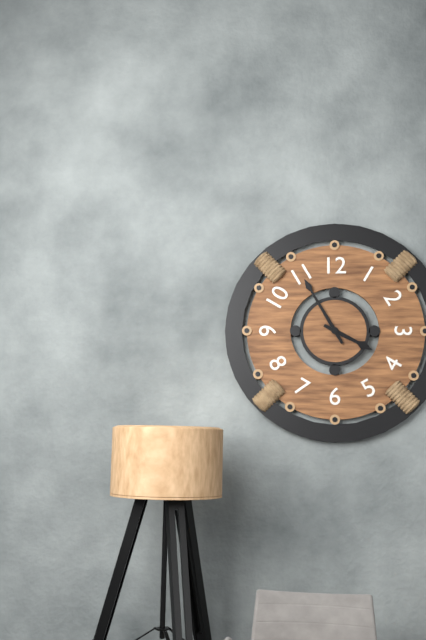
3:55
